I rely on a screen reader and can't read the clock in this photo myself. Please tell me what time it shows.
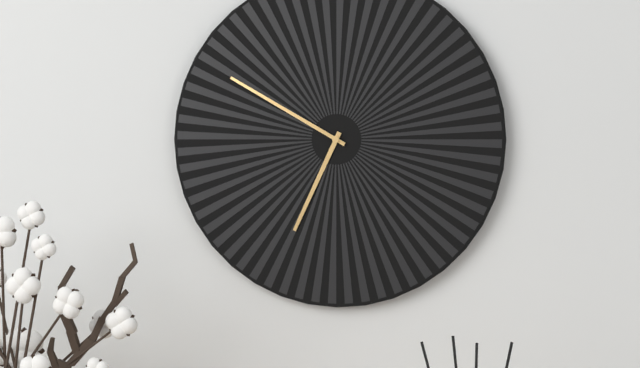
6:50
